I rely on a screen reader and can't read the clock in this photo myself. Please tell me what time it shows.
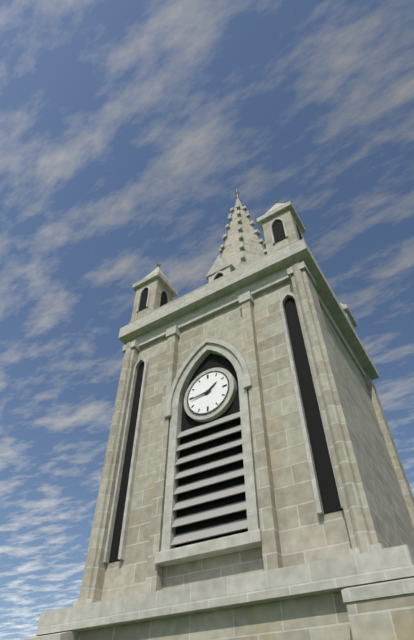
1:44
